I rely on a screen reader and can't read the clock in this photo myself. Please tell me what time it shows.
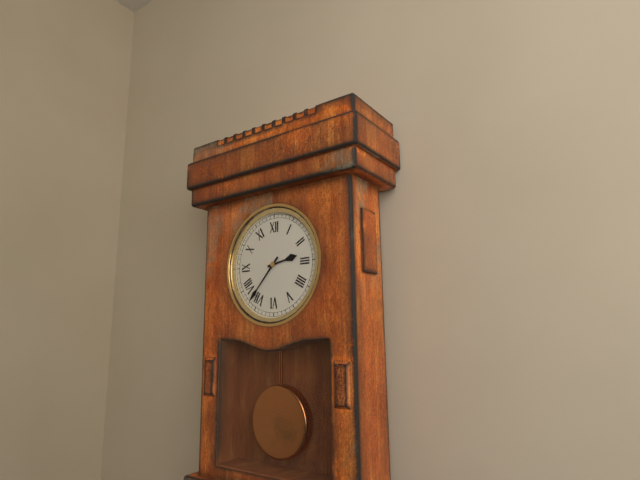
2:37
